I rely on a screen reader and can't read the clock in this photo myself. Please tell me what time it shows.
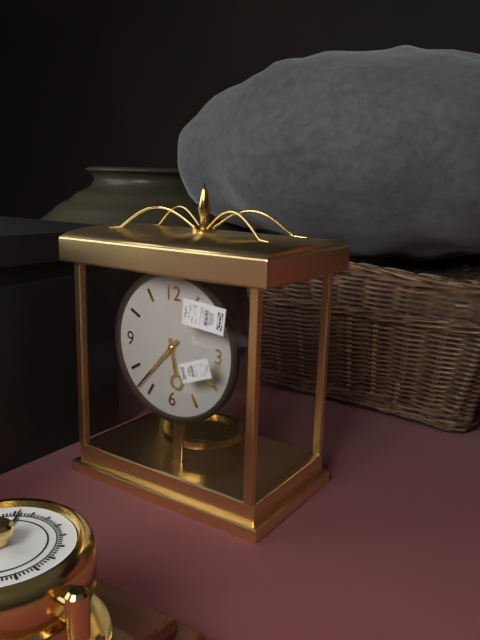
5:37
